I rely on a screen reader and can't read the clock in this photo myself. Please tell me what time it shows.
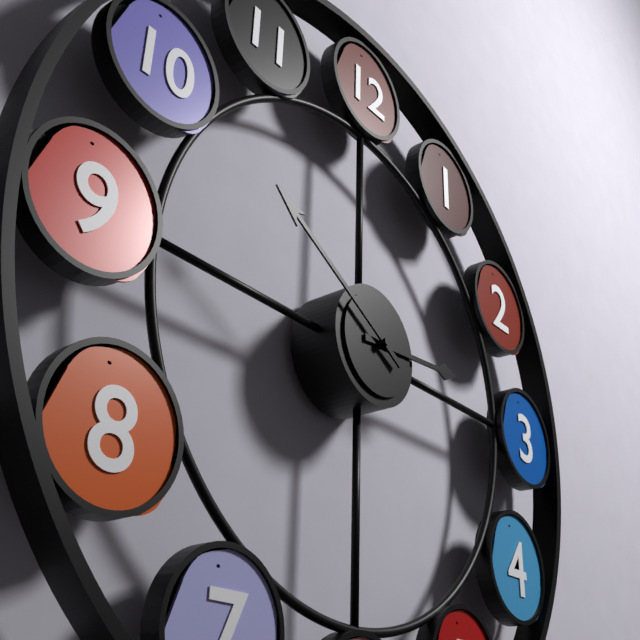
2:50
